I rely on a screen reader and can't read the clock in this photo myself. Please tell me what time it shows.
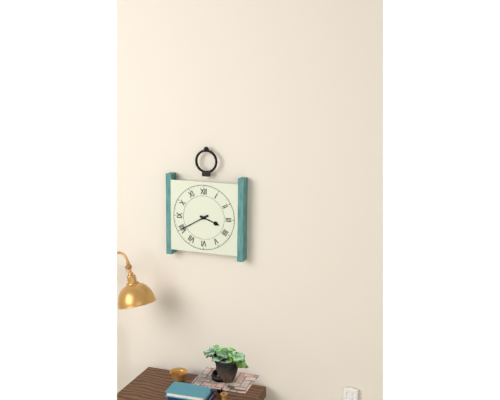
3:40
